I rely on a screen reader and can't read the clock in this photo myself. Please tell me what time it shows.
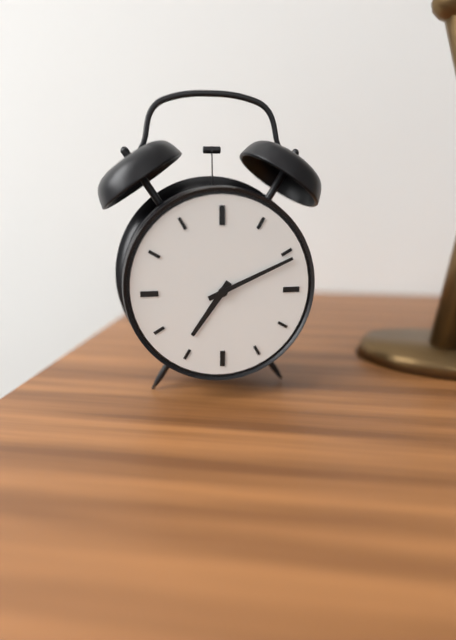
7:11
